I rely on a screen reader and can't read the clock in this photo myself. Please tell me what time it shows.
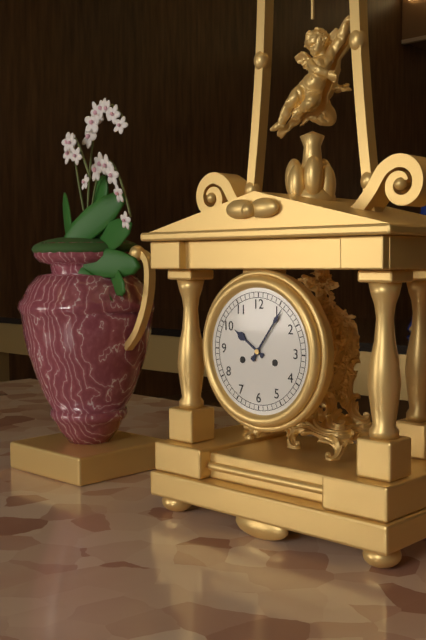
10:06
